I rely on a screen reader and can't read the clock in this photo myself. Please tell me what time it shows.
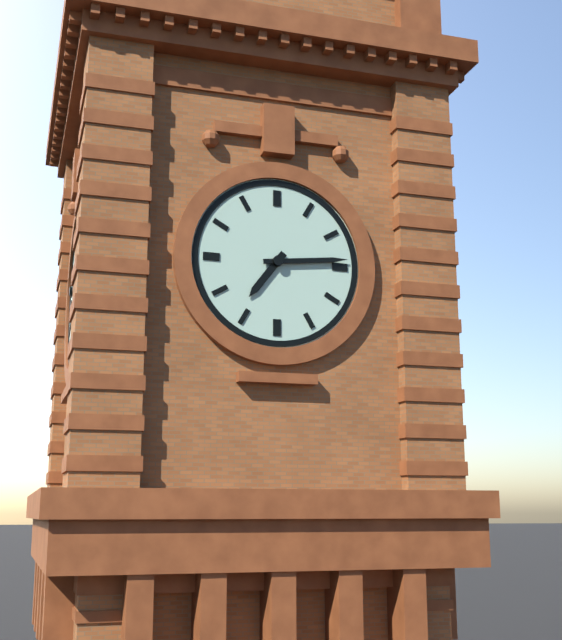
7:14
